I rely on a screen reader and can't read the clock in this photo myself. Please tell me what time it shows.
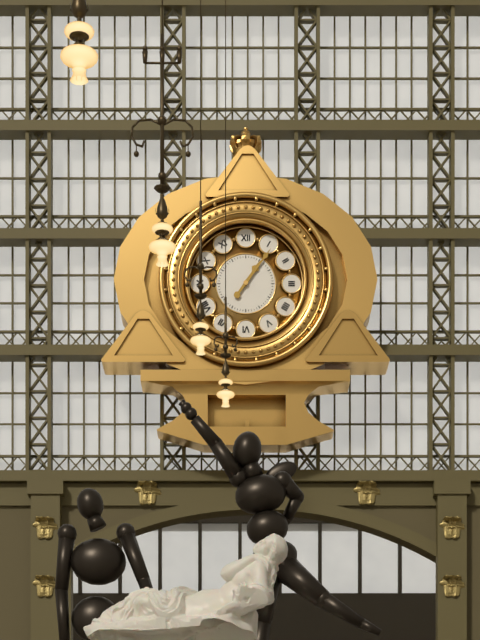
1:06
